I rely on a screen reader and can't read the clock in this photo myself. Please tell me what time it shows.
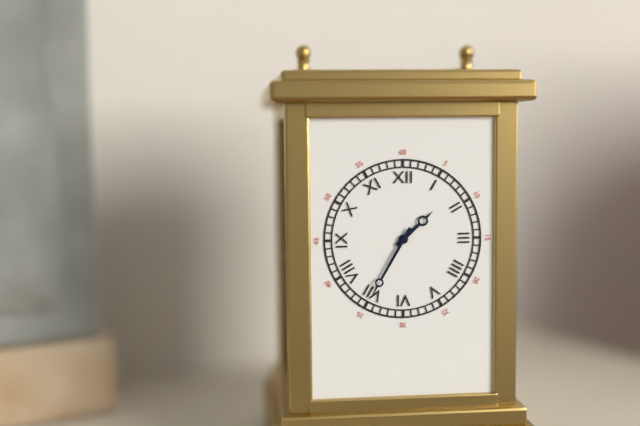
1:35
